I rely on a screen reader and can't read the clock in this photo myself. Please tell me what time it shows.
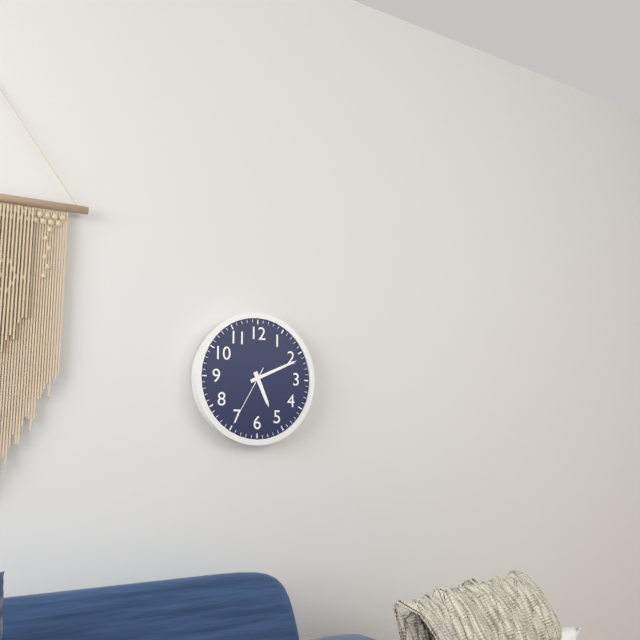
5:11:35
